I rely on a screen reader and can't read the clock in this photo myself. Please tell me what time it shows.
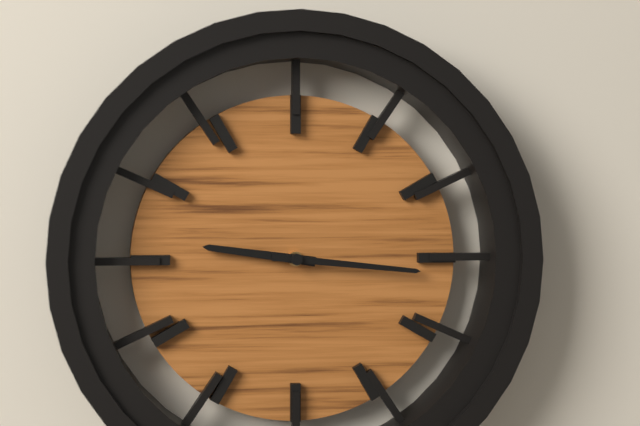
9:16
